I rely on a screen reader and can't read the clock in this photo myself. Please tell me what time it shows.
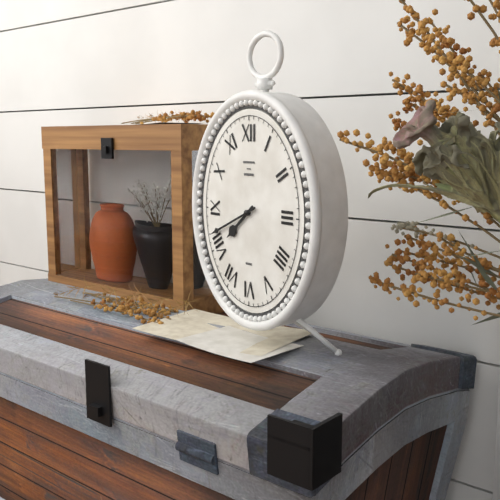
7:41
